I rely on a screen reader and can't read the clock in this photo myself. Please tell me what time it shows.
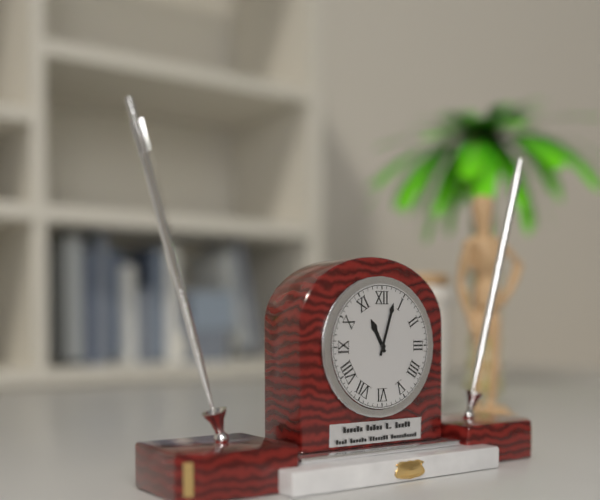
11:03
